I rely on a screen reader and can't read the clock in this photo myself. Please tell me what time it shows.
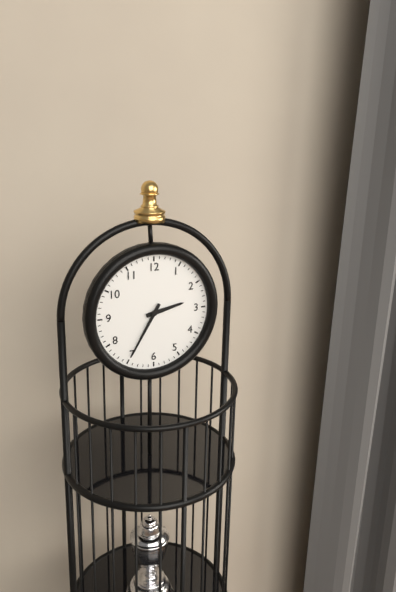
2:35
